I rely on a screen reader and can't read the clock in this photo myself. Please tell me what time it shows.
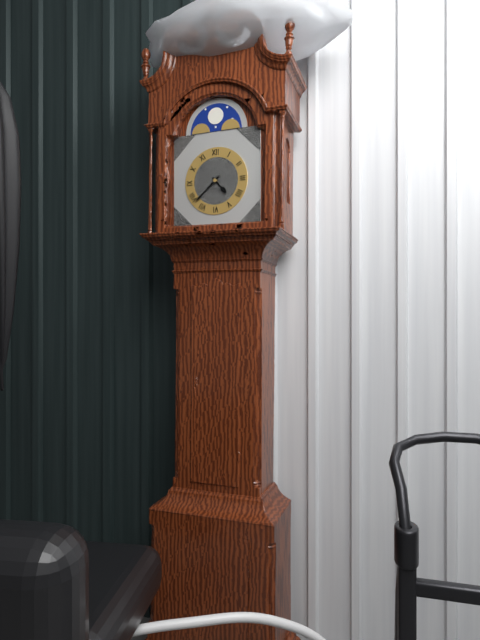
4:38
